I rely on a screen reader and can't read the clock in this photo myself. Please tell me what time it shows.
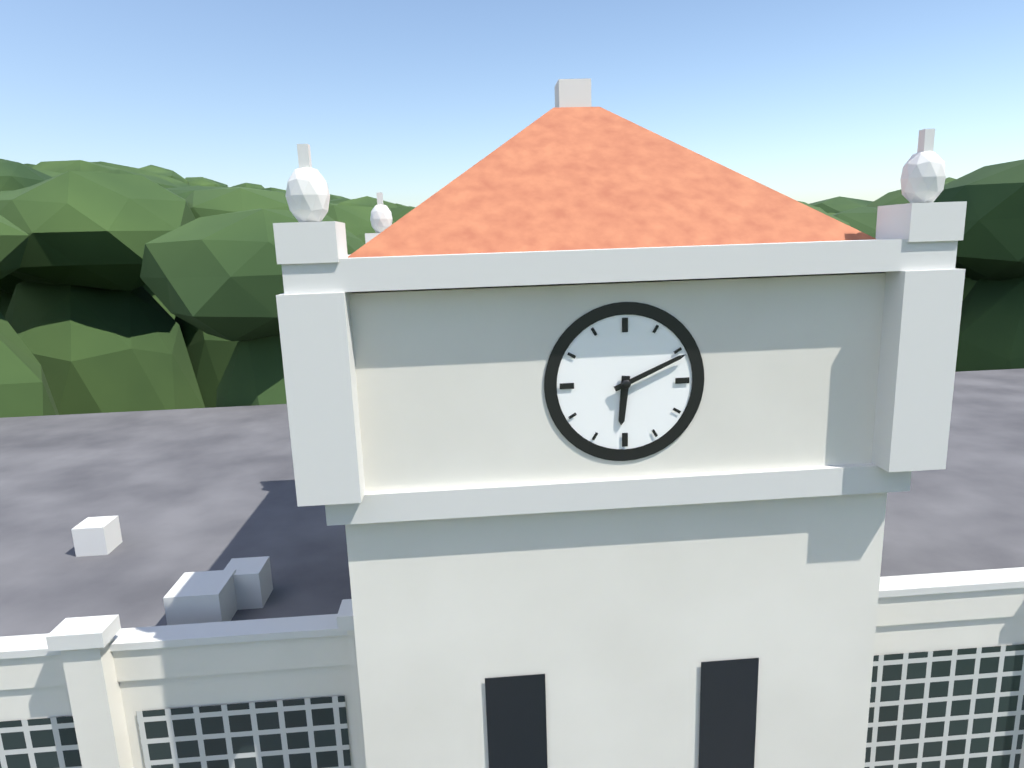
6:11
